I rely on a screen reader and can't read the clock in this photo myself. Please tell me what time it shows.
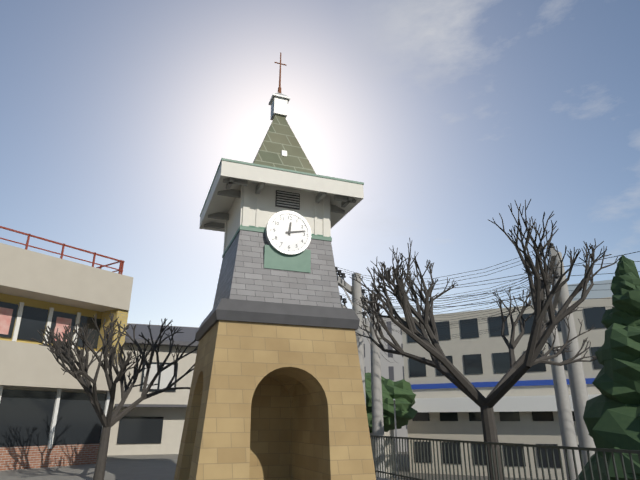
12:13
